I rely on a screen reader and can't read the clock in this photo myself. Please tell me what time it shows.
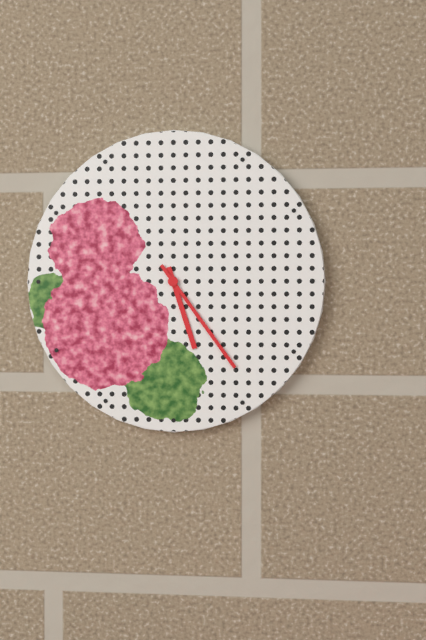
5:24
